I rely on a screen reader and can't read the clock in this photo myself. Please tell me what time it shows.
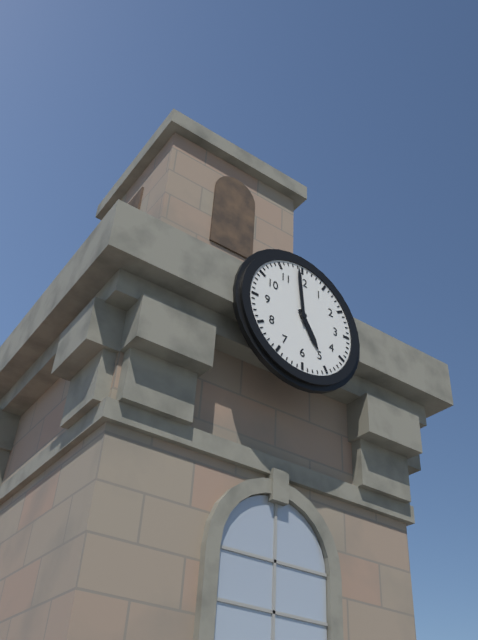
4:59
